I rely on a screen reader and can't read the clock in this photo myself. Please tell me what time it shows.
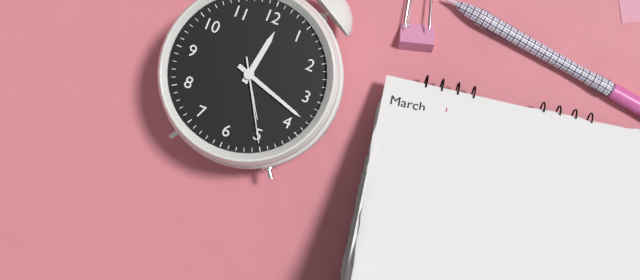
12:18:25
